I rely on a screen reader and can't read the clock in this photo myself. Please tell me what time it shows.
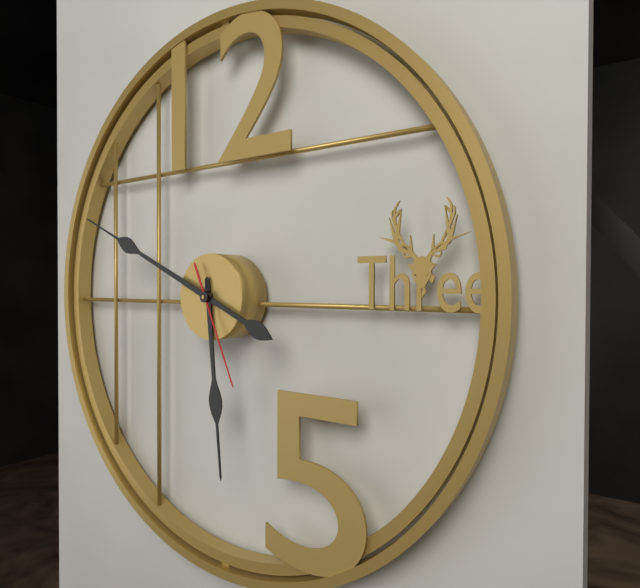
5:49:26
